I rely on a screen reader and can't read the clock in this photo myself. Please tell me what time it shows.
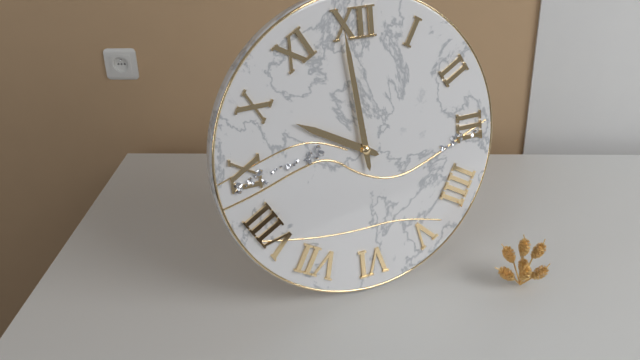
9:59
